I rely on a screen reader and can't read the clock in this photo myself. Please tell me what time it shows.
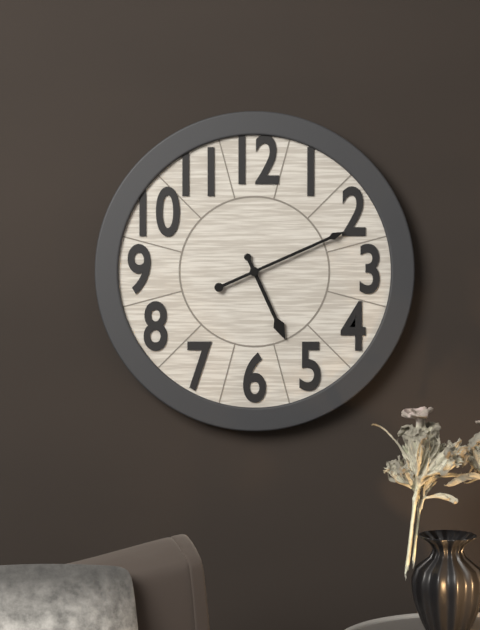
5:11
